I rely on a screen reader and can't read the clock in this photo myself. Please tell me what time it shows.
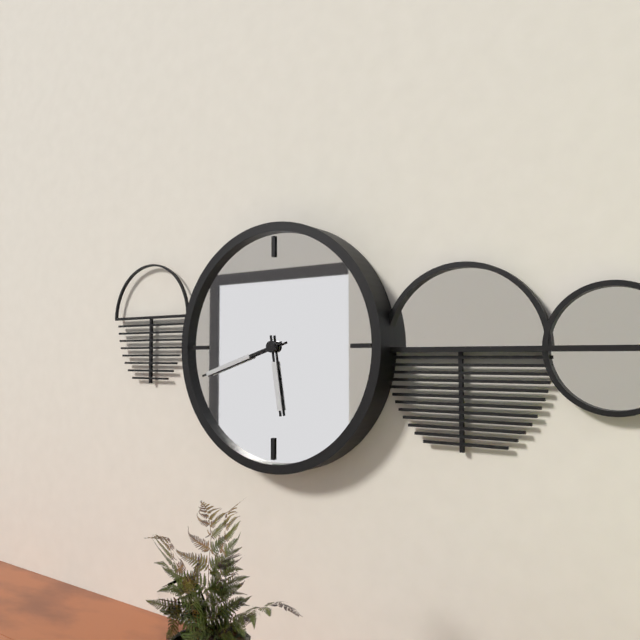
5:42
